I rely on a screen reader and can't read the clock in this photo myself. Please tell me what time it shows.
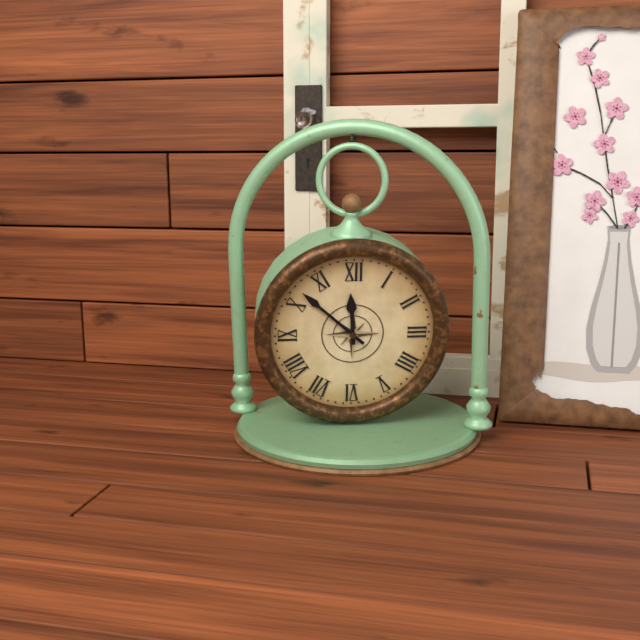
11:52
